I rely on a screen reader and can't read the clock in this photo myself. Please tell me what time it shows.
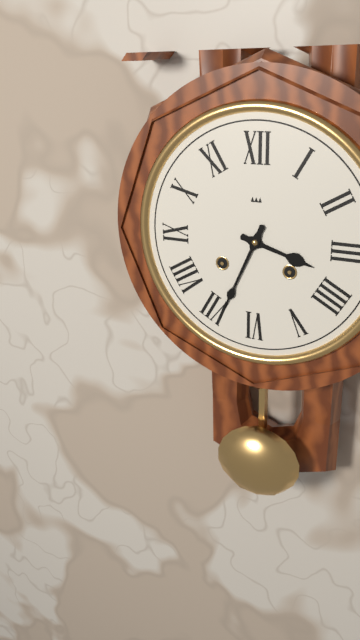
3:34
